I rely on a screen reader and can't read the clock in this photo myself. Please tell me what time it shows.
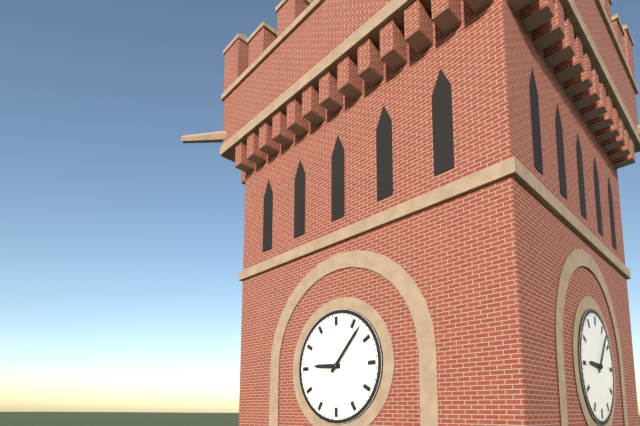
9:07
